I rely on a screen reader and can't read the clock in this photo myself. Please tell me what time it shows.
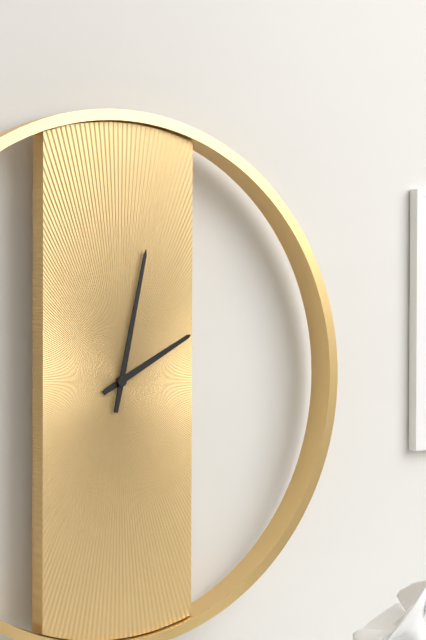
2:02
